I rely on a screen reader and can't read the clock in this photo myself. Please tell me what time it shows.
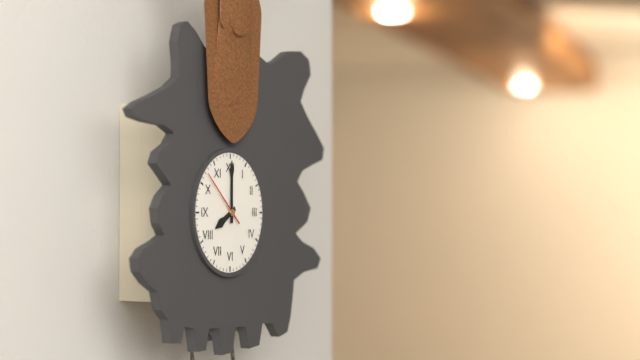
8:00:52
